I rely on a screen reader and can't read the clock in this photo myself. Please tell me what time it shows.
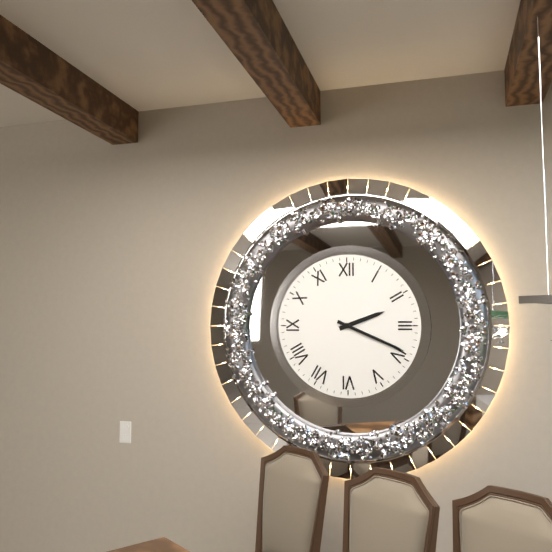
2:19
